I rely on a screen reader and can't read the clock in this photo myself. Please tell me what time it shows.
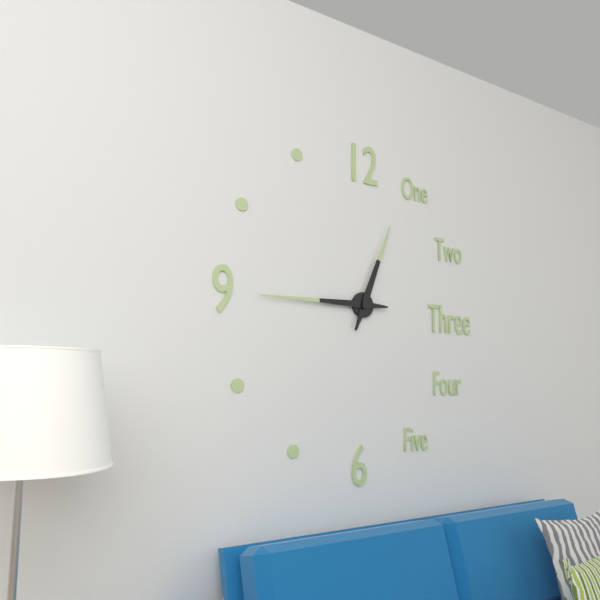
12:45
